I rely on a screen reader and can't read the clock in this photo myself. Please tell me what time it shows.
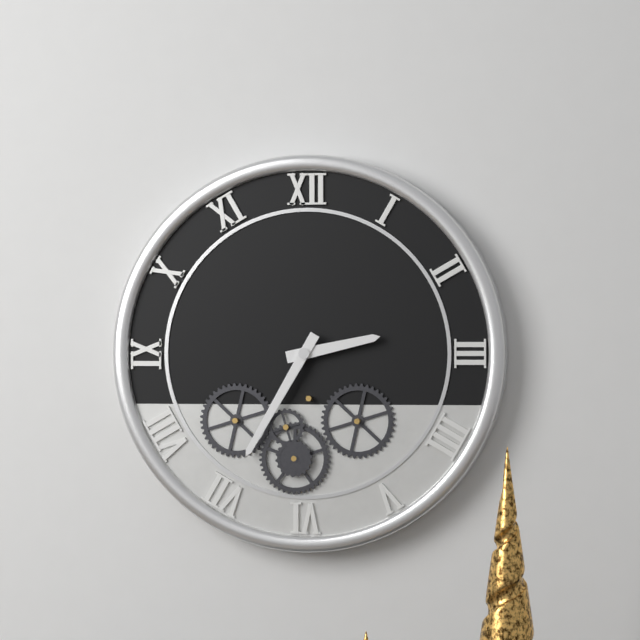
2:35
